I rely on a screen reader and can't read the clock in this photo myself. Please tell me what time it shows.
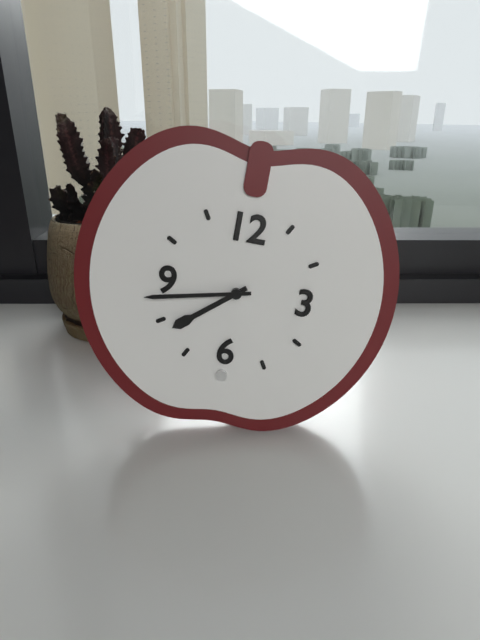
7:43
